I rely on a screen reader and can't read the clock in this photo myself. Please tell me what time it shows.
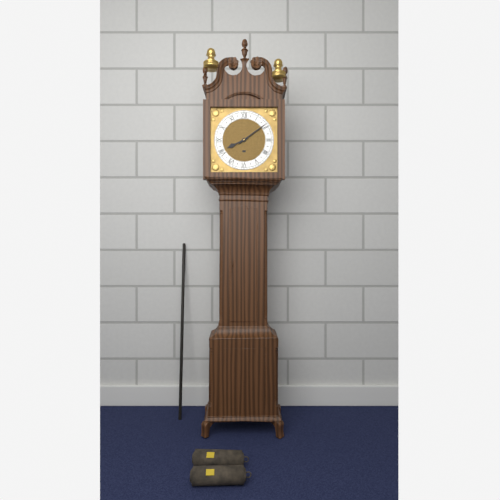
8:09
